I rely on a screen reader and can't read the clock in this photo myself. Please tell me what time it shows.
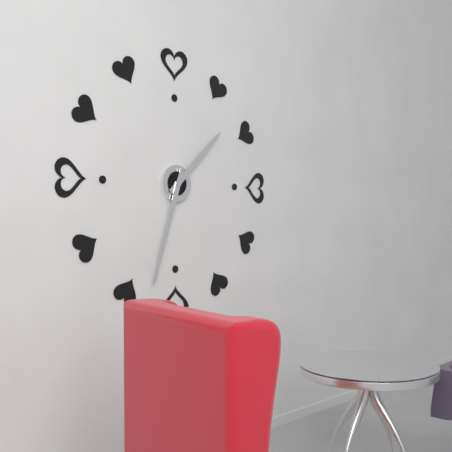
1:33
